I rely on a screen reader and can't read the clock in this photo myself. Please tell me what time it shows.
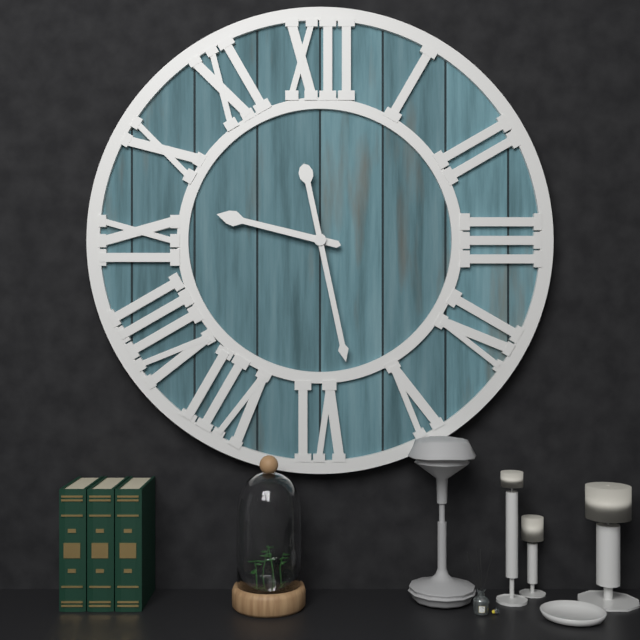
9:28
